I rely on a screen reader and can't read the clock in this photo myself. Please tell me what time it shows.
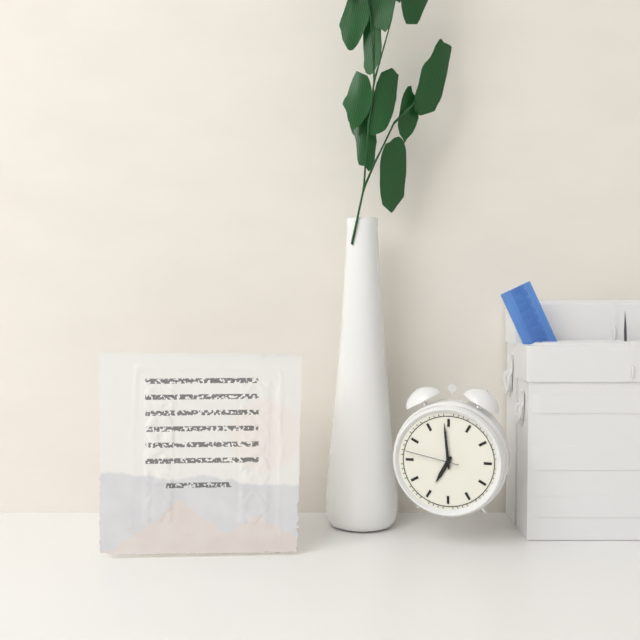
6:59:47
